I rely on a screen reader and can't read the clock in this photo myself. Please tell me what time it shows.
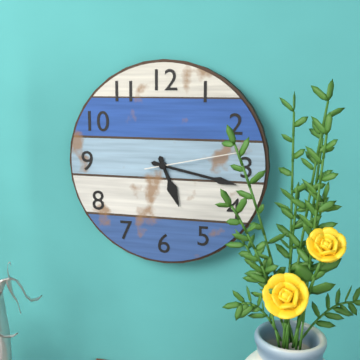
5:17:13
